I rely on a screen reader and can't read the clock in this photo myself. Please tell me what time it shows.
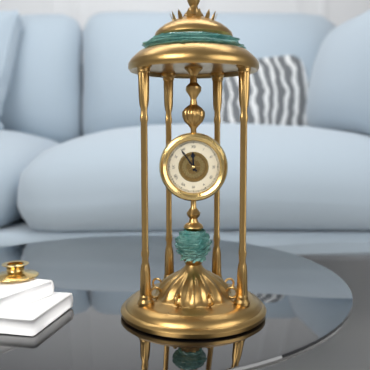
11:54
